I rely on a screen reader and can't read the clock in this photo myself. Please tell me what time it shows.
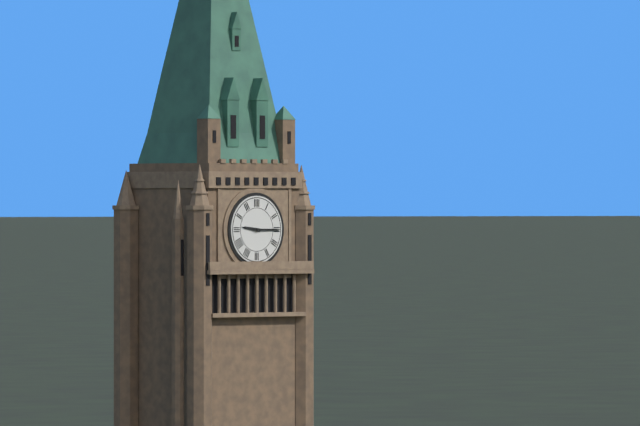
9:15
